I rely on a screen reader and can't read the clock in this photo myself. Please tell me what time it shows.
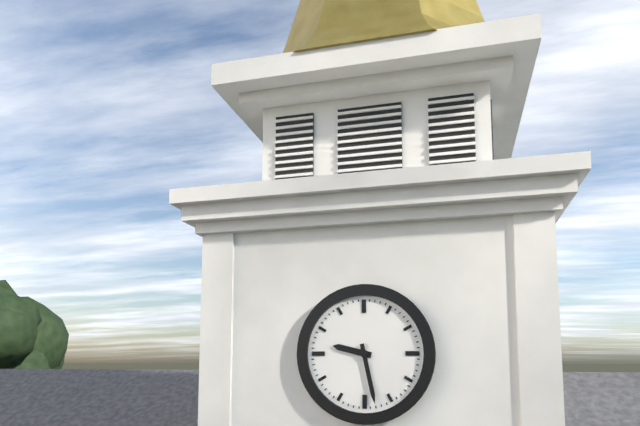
9:28
